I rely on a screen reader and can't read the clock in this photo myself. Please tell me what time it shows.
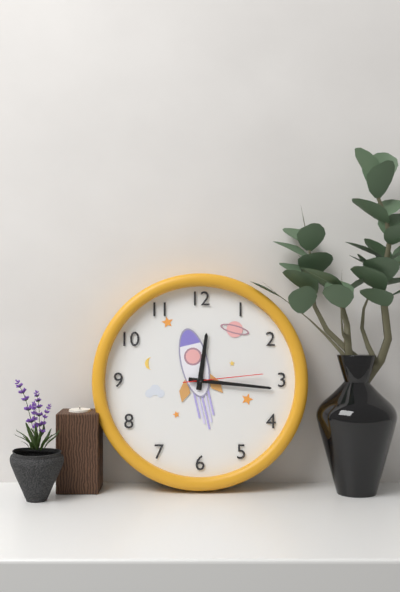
12:16:14
